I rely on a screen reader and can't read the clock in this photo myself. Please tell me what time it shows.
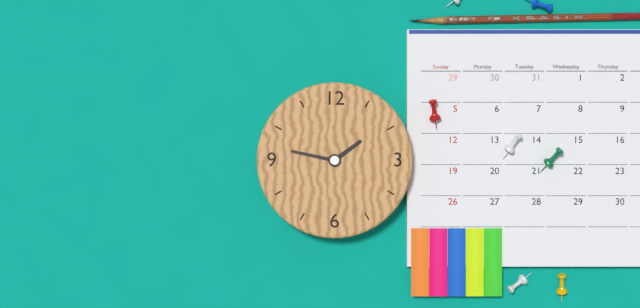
1:47
